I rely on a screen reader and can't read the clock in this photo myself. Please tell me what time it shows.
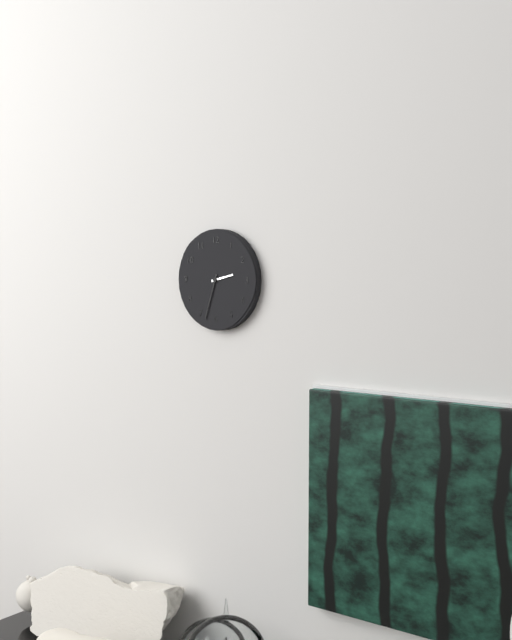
2:33
